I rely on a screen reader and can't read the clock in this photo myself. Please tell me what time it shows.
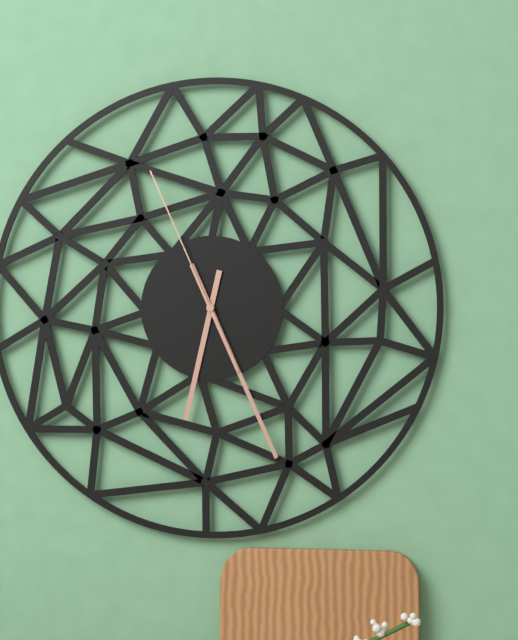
6:26:56
